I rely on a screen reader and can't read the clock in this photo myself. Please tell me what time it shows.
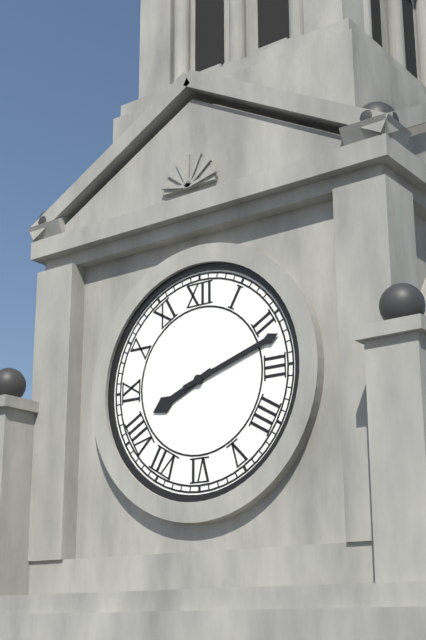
8:12
